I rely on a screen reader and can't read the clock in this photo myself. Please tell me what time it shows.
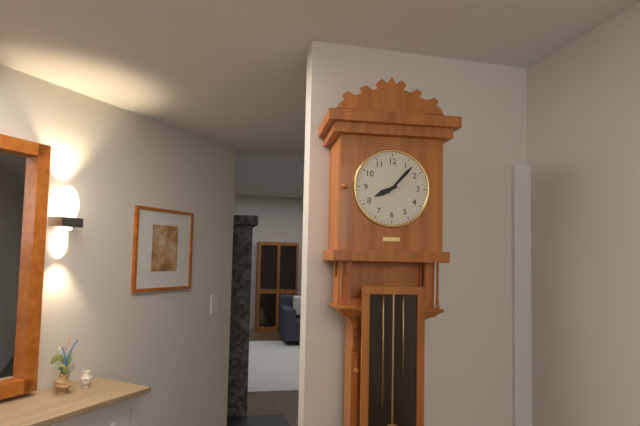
8:07
